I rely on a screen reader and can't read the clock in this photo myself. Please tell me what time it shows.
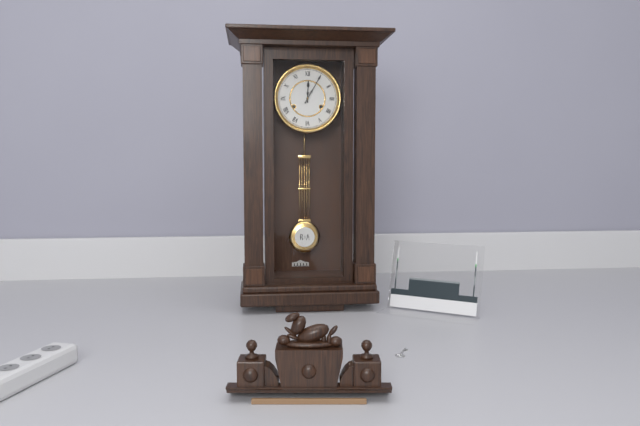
12:05
